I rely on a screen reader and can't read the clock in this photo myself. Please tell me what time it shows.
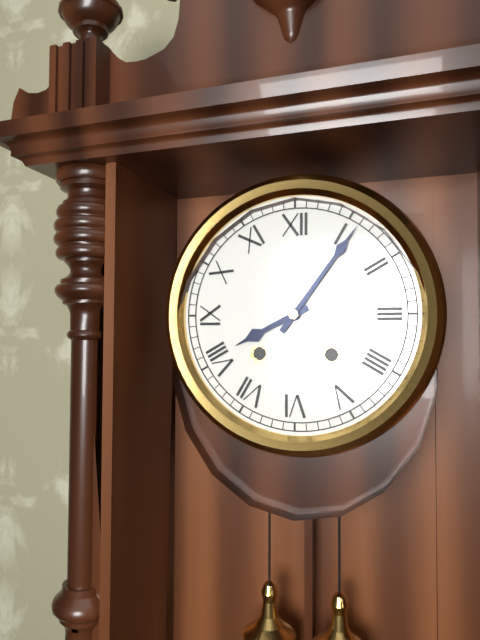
8:06
